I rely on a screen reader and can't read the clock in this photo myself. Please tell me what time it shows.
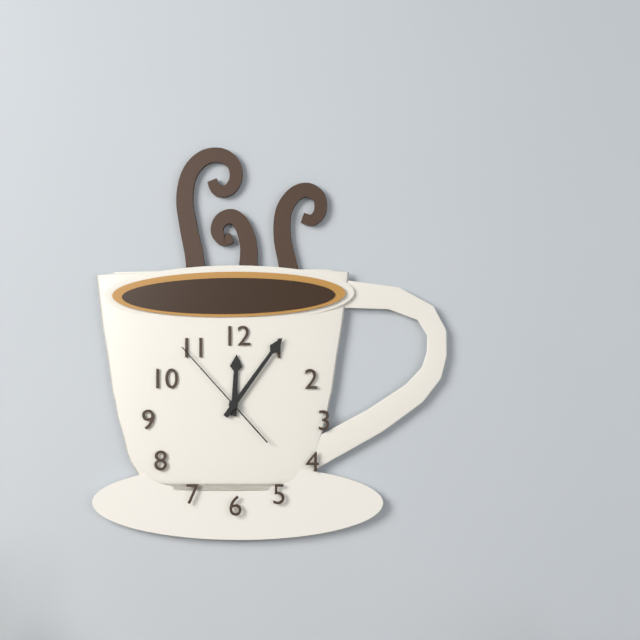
12:06:53
